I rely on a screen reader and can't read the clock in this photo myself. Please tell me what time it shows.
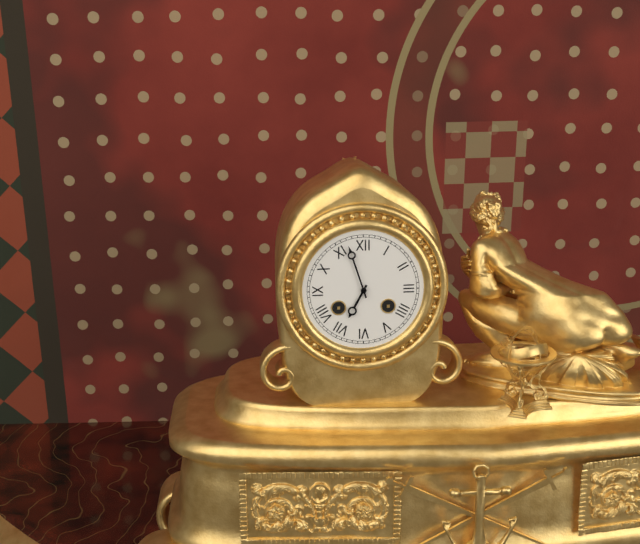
6:57
